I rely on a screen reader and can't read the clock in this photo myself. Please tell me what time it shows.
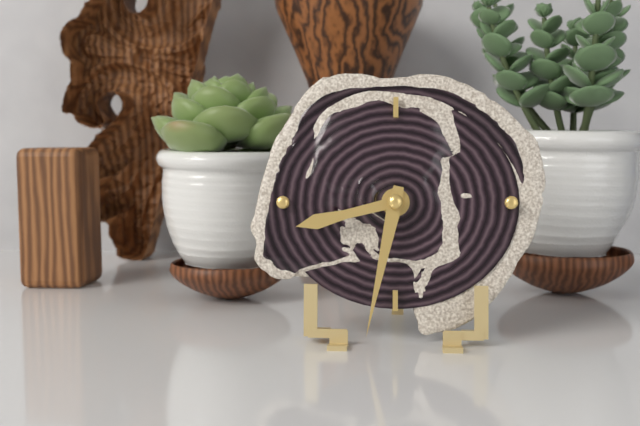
8:32
